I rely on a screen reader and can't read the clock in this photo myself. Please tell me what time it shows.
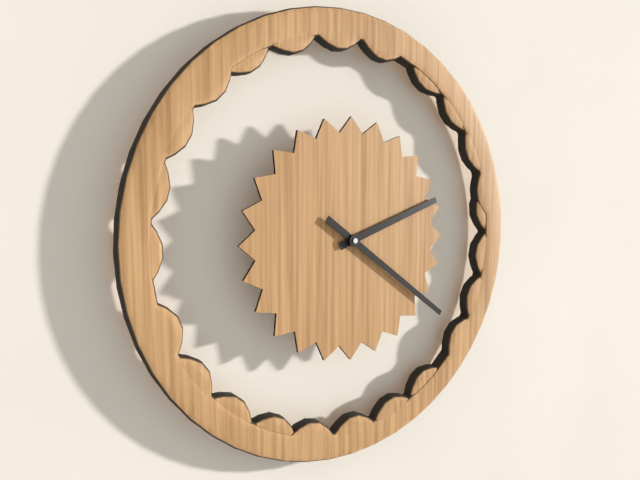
2:21
